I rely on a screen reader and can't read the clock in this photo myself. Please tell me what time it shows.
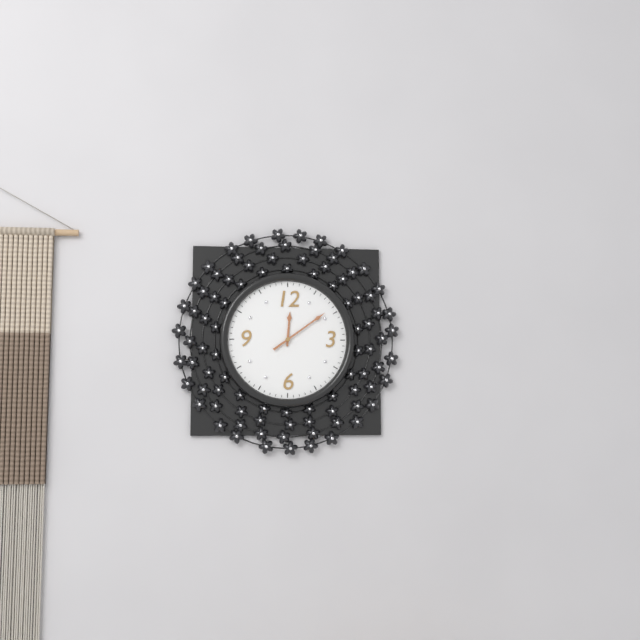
12:09
